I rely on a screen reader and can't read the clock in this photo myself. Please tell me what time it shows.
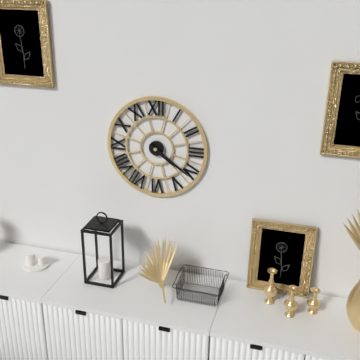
4:21
